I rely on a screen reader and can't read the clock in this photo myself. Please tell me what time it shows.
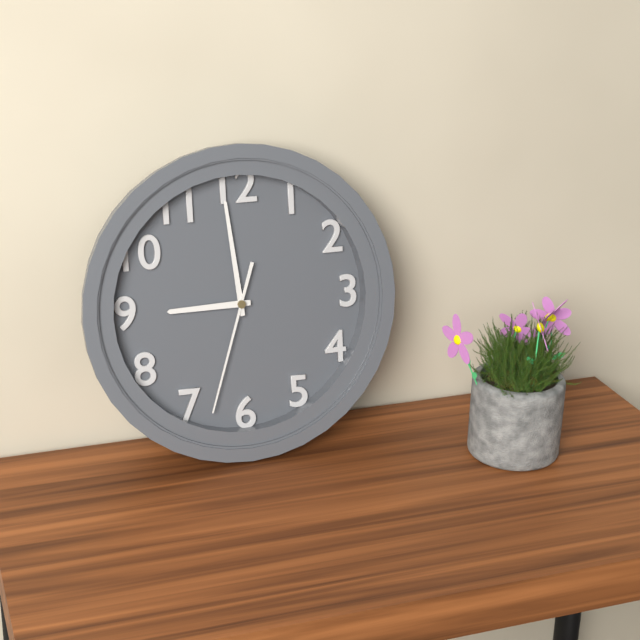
8:59:33
